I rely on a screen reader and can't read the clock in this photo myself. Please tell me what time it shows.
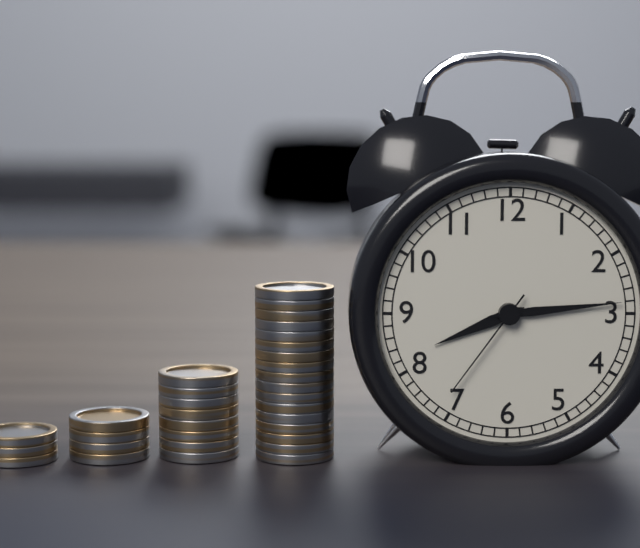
8:14:36
